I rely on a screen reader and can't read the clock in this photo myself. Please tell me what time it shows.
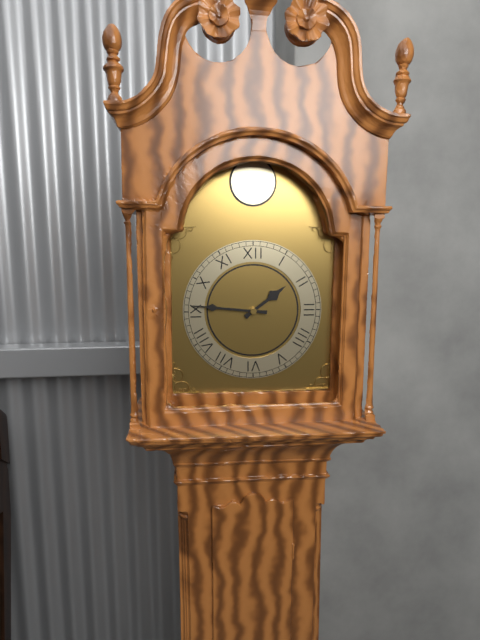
1:46
